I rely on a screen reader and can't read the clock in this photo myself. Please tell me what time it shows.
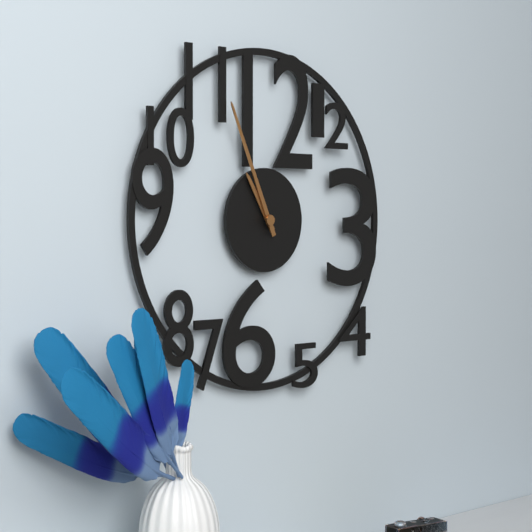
10:56
